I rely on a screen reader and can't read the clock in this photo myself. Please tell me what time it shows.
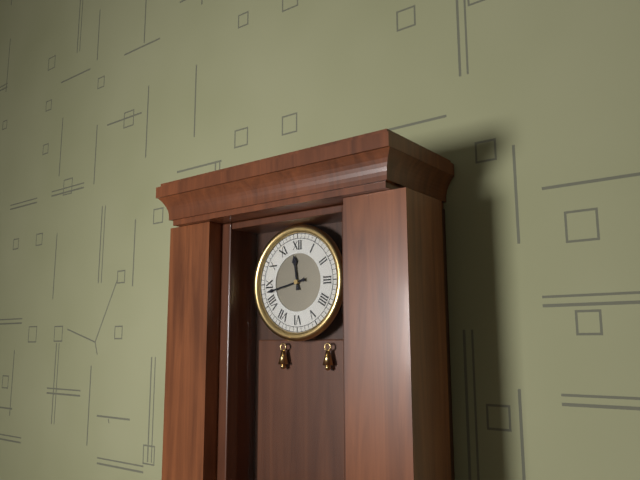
11:43
